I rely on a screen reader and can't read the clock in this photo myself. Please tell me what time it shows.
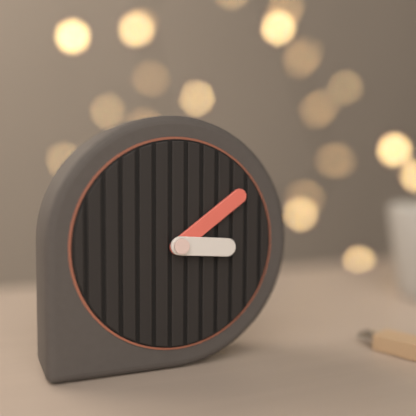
3:09
